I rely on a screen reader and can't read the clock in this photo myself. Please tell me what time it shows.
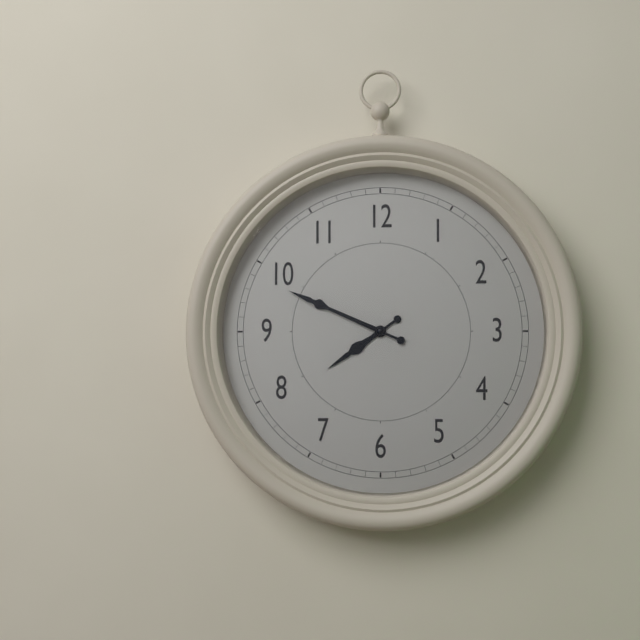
7:49
